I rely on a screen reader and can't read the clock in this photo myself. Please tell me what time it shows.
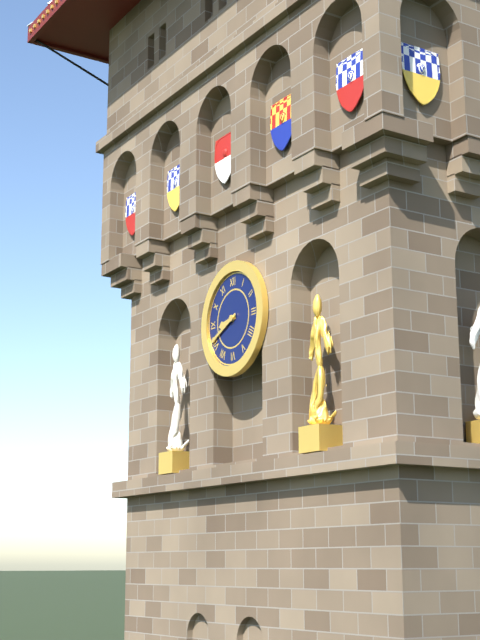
8:41
